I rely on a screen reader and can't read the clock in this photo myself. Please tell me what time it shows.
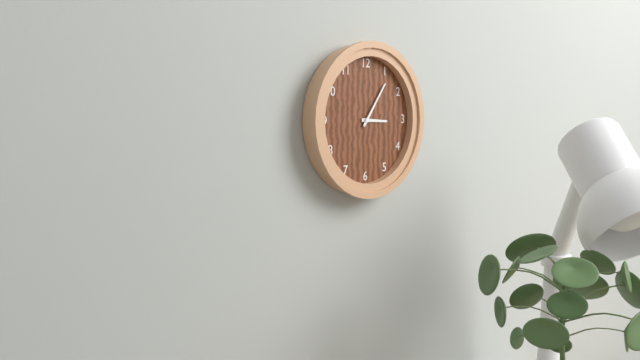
3:06
